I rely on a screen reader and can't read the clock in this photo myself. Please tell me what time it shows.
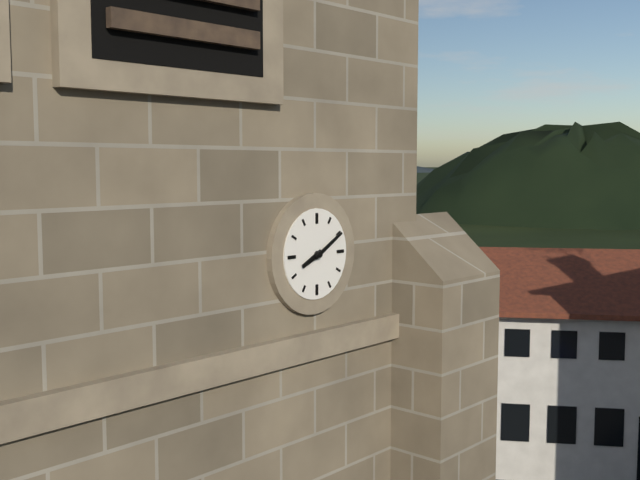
8:10
